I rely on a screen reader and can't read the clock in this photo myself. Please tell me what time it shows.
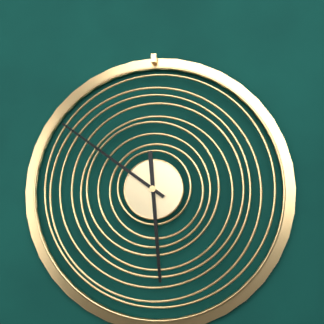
5:51
